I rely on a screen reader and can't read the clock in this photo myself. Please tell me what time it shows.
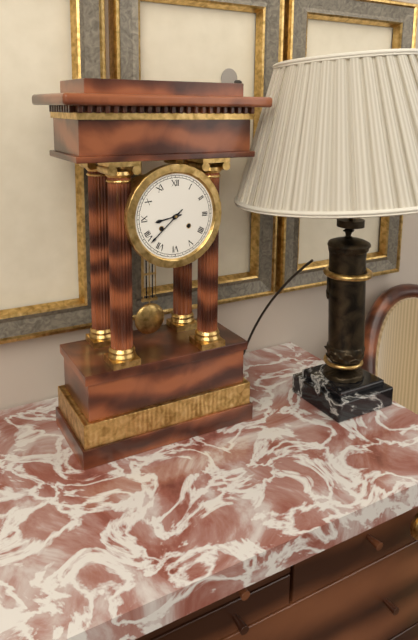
8:38
